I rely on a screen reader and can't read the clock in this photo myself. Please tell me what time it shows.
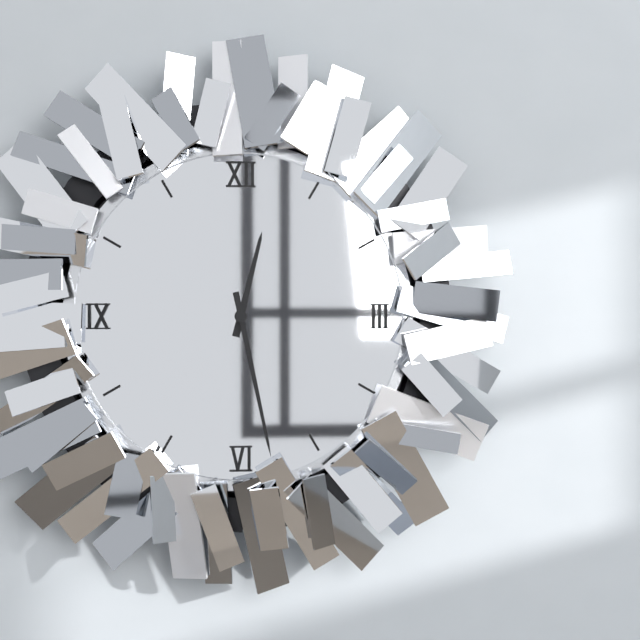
12:28
